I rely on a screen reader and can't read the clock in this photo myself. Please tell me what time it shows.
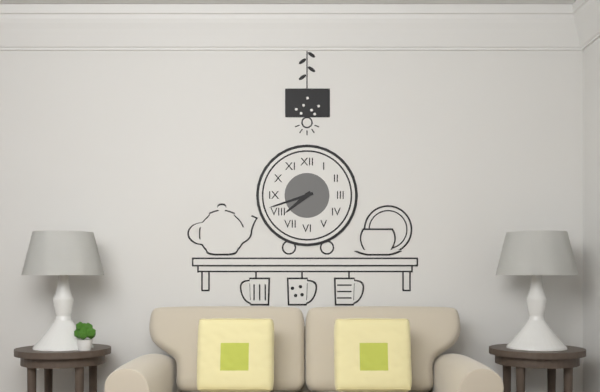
7:42
